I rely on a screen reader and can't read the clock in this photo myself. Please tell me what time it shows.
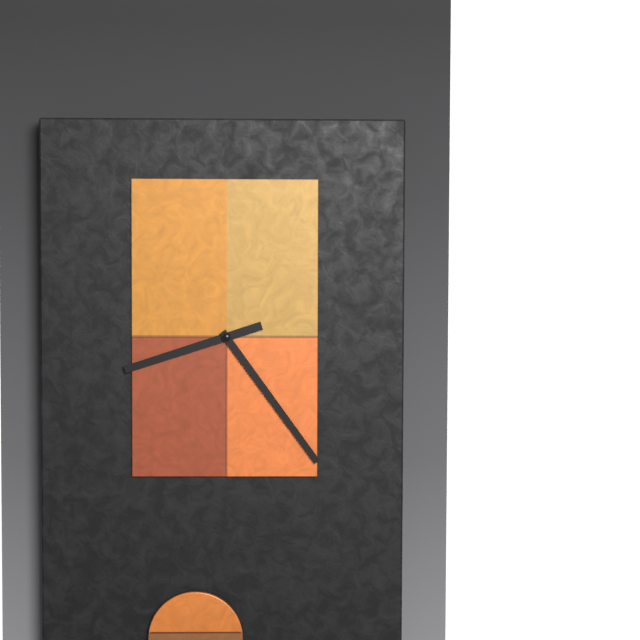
8:24
